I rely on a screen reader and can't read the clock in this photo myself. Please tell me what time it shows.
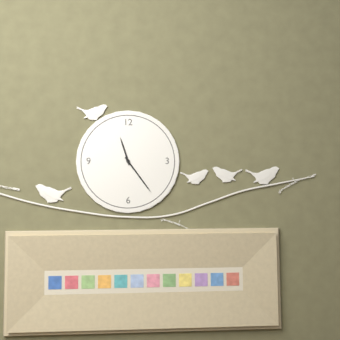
11:24
